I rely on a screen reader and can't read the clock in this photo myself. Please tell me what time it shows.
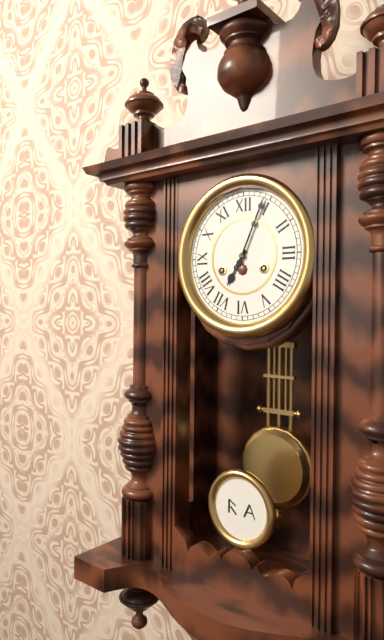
7:04
